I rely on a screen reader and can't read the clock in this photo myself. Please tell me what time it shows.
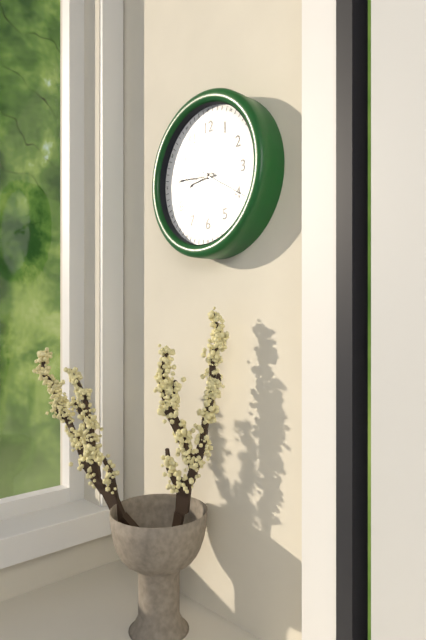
8:46:20
